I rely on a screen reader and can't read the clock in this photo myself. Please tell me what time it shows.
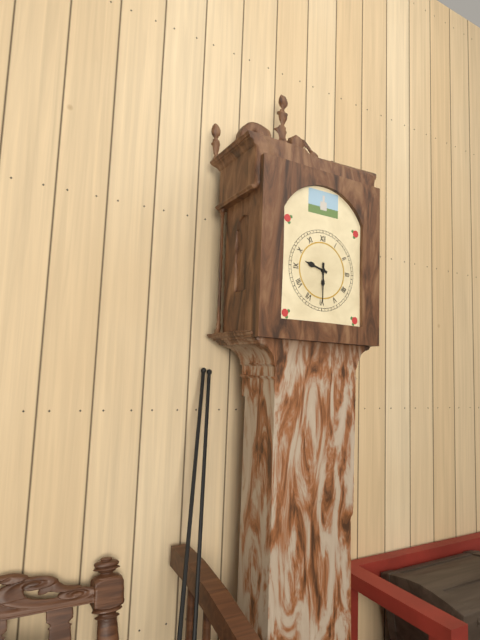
9:30
